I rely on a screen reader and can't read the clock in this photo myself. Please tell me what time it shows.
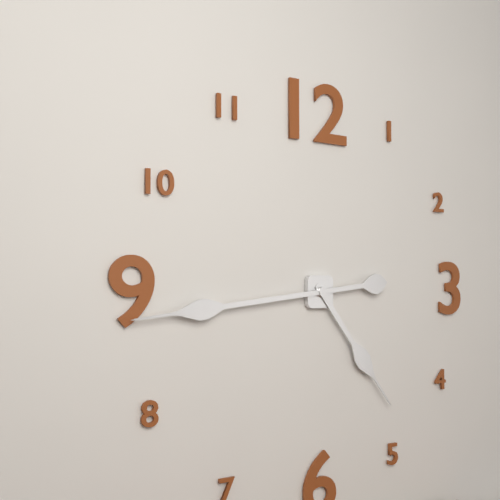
4:44
